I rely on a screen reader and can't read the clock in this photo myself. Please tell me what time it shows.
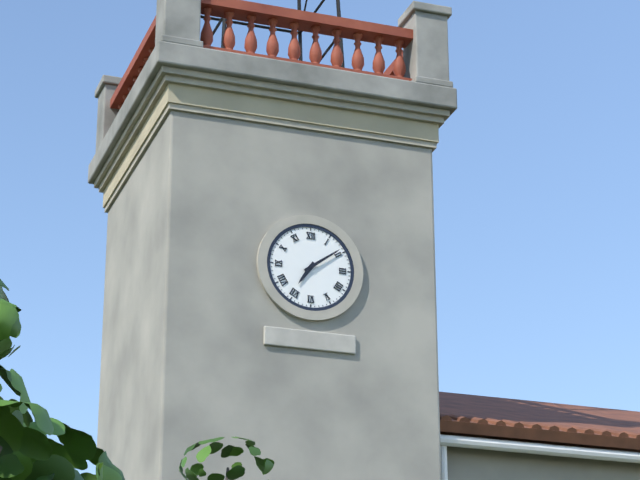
7:09
